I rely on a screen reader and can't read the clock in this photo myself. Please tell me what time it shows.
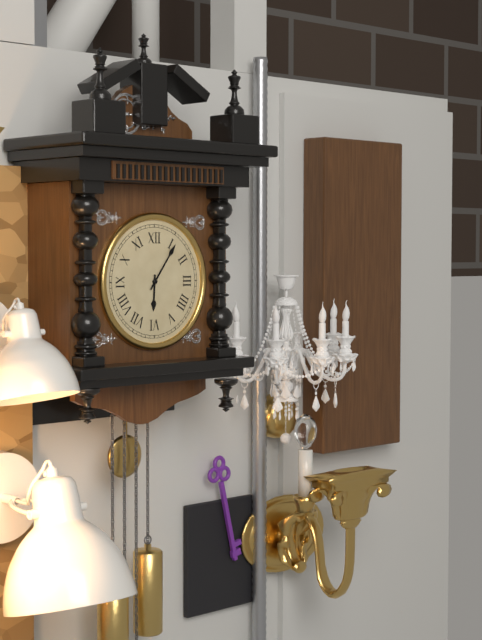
6:06
